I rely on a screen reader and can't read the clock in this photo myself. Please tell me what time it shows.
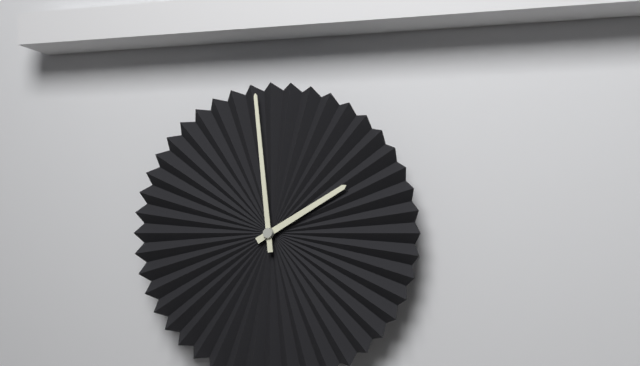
1:59
